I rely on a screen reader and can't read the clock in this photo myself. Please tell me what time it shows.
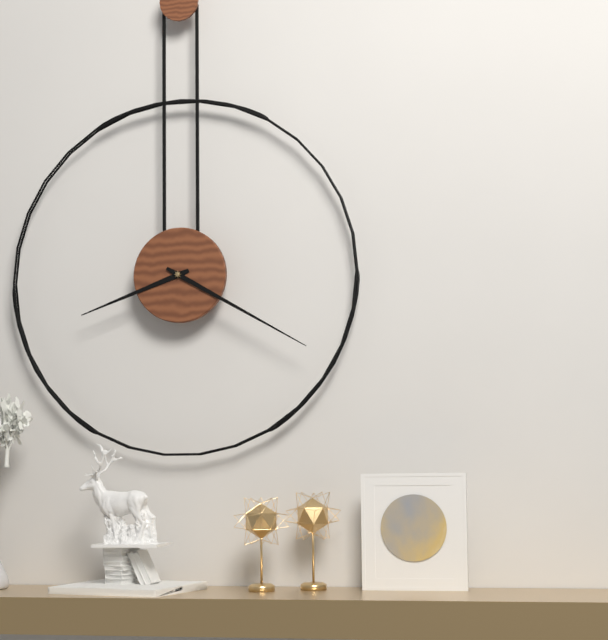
8:20
